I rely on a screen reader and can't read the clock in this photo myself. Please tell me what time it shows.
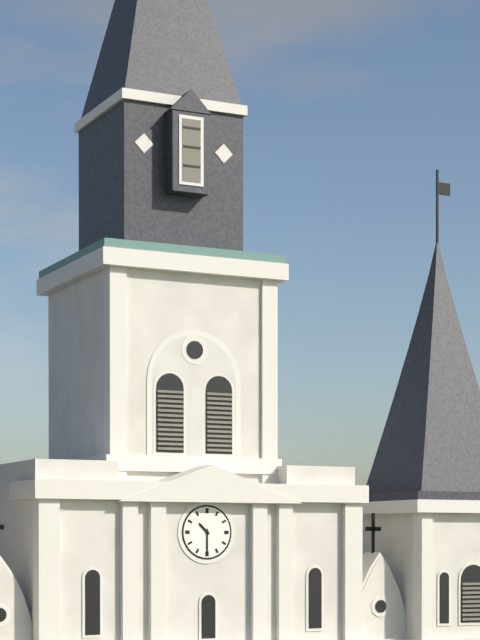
10:30
